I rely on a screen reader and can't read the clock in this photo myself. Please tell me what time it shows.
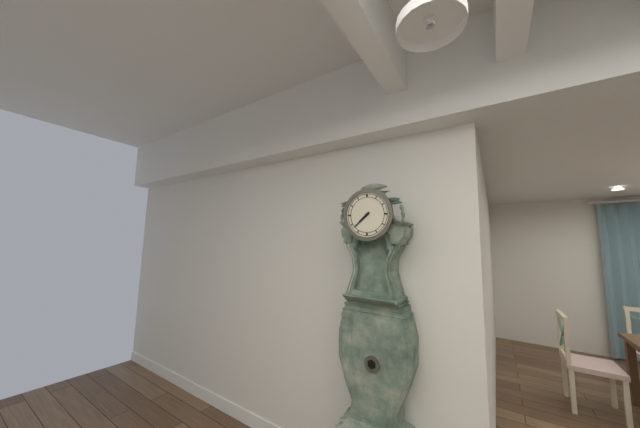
7:38
